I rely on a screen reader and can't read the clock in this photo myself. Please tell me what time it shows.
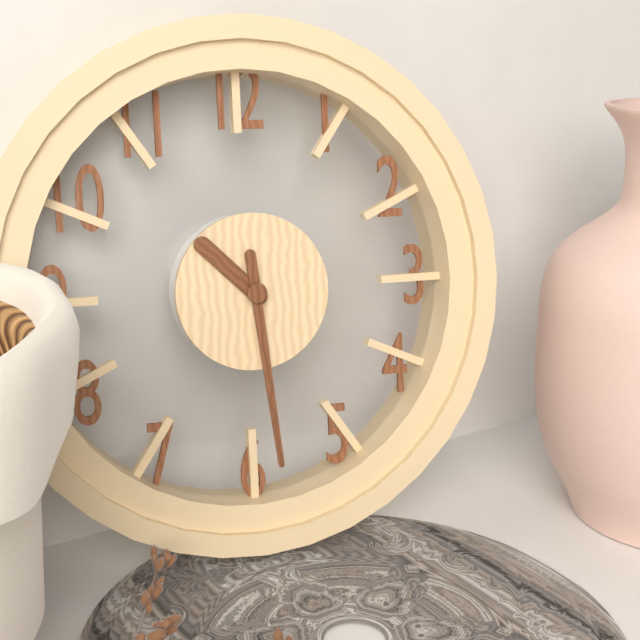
10:29
